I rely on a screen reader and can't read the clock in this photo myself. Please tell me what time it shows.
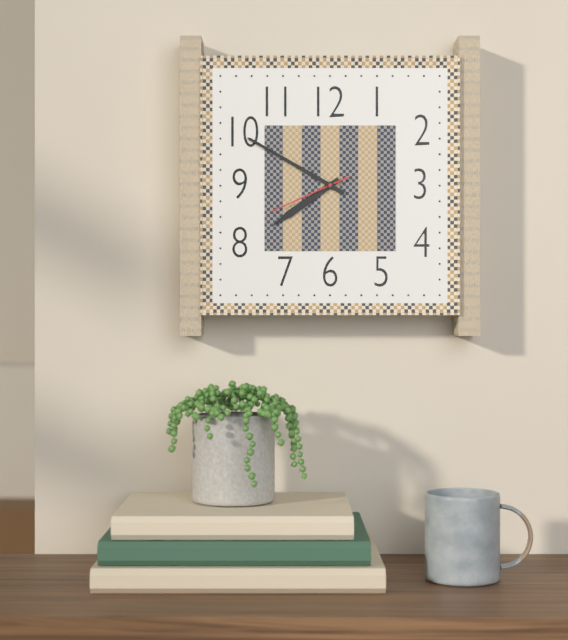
7:50:41
